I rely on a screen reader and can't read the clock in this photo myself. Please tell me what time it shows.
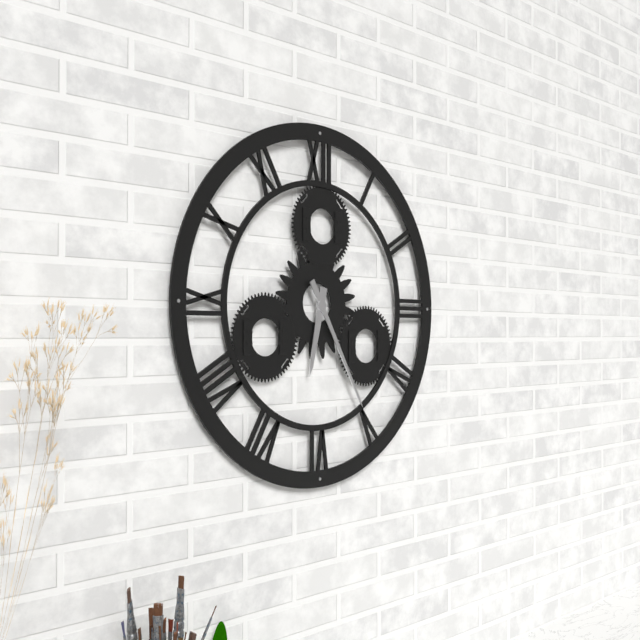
6:25
